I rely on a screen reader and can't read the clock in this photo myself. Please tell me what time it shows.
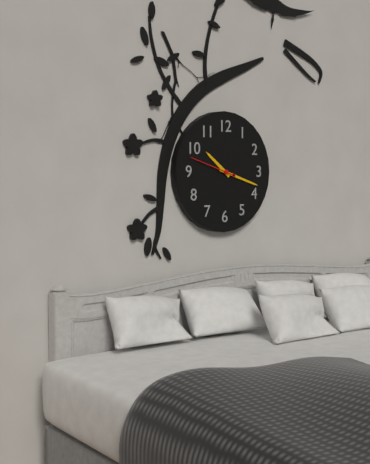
10:18
